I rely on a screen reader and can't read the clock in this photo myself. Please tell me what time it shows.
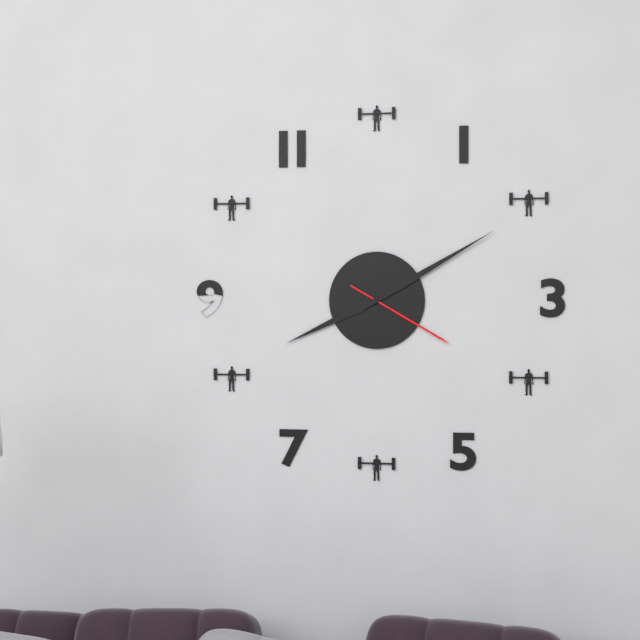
8:10:20
